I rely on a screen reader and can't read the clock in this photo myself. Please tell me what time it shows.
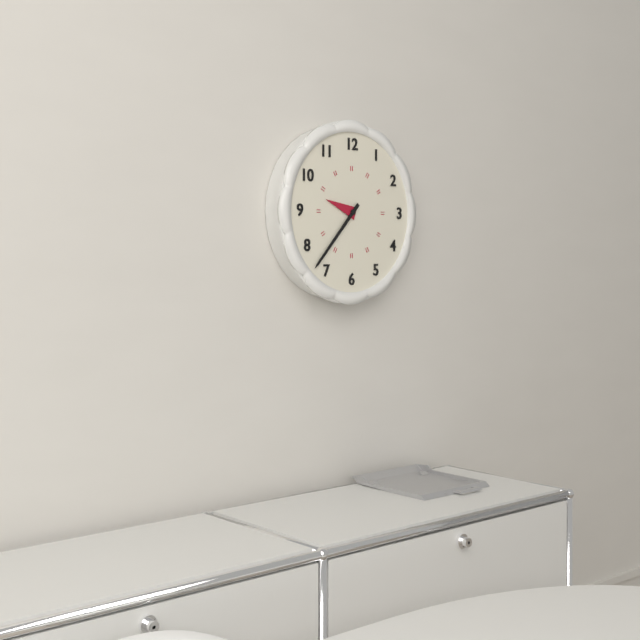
9:37
